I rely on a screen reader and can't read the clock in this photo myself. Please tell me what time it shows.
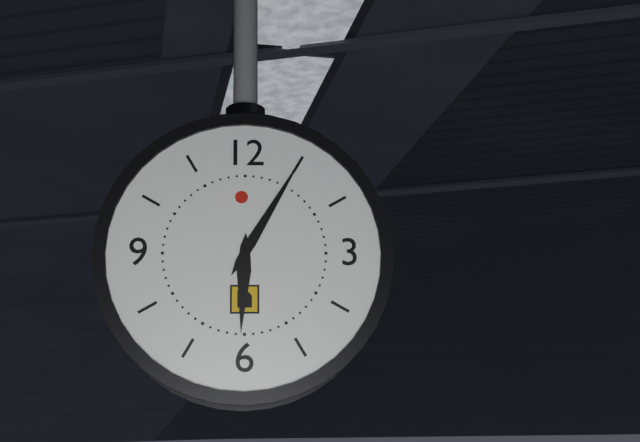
6:05
